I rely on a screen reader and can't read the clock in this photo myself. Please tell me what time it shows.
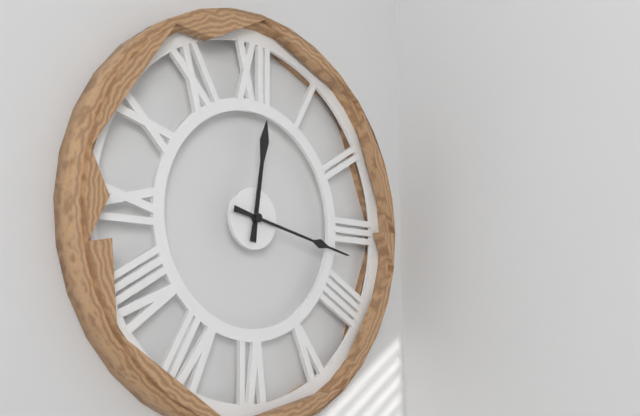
12:17
